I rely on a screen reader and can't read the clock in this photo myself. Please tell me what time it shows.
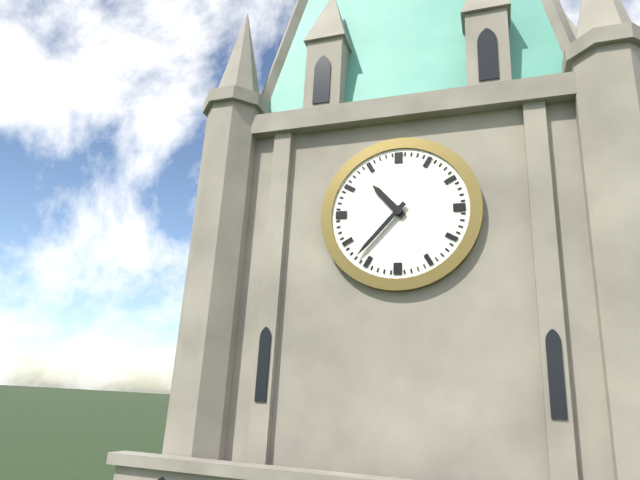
10:37
